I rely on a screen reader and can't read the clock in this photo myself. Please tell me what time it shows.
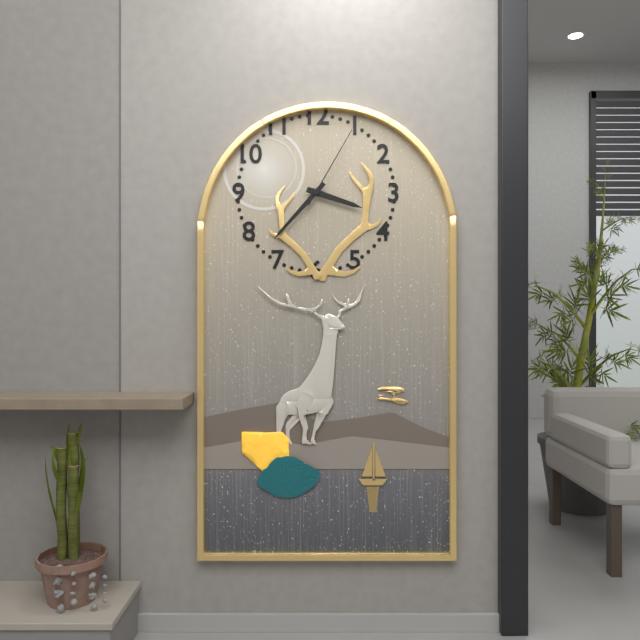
3:37:05
